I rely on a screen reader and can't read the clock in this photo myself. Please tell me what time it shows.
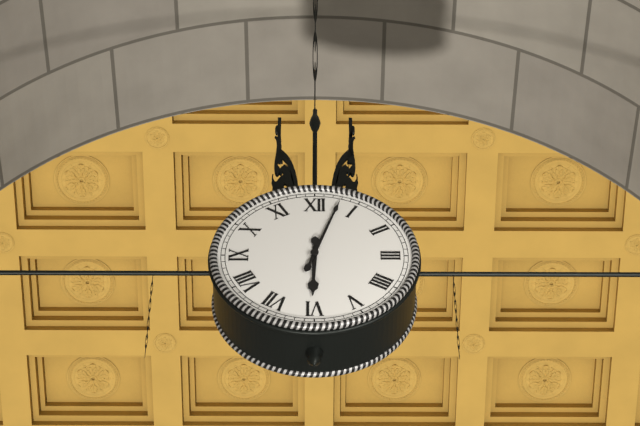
6:03
